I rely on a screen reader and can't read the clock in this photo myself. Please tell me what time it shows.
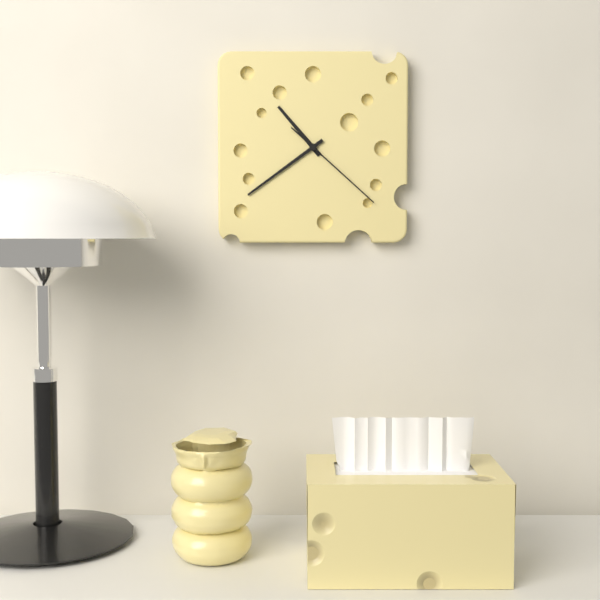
10:39:22
